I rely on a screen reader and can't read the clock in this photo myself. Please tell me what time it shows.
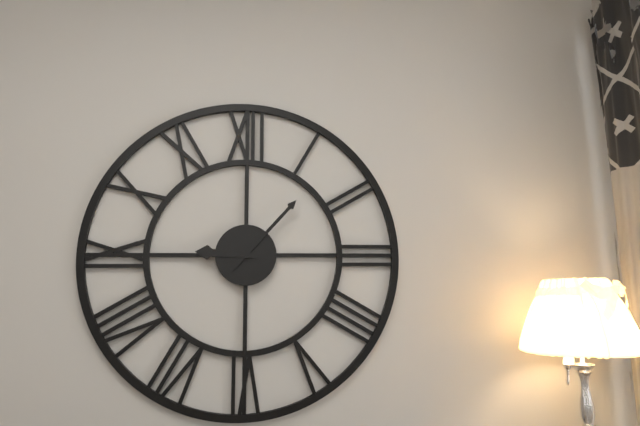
9:07
